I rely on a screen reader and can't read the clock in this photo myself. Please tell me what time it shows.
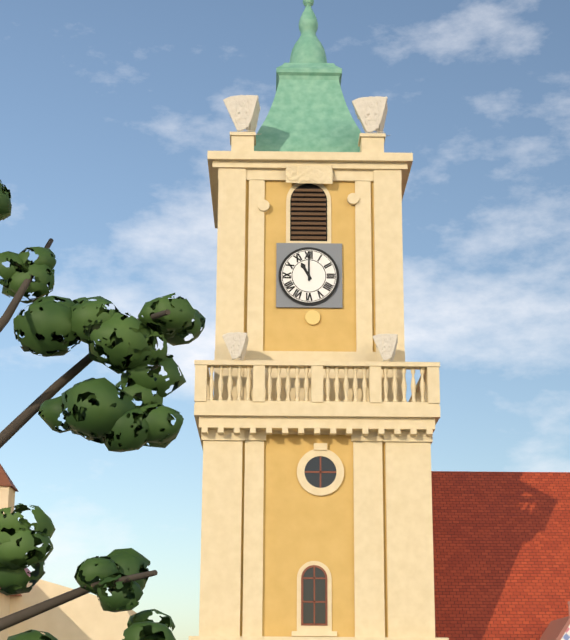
11:00
